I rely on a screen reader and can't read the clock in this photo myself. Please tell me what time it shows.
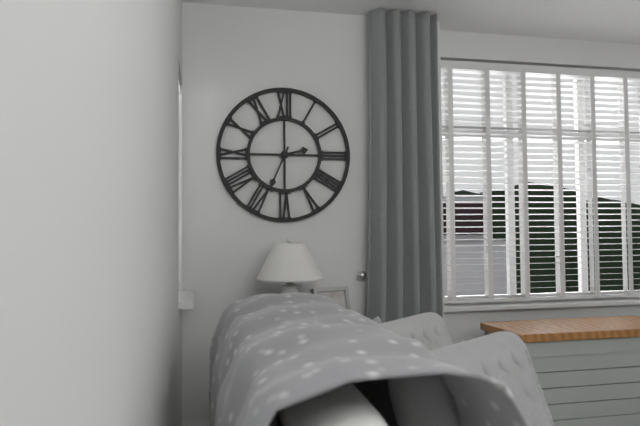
2:34
